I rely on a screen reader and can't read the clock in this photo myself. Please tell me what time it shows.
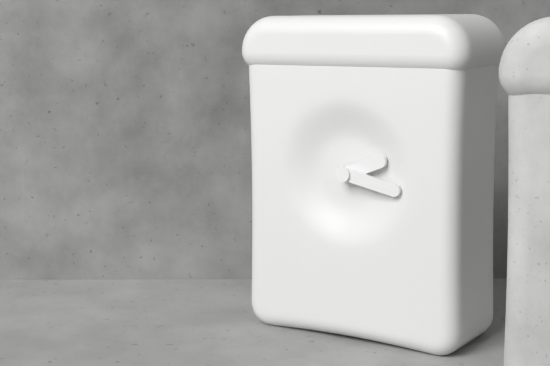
2:17
